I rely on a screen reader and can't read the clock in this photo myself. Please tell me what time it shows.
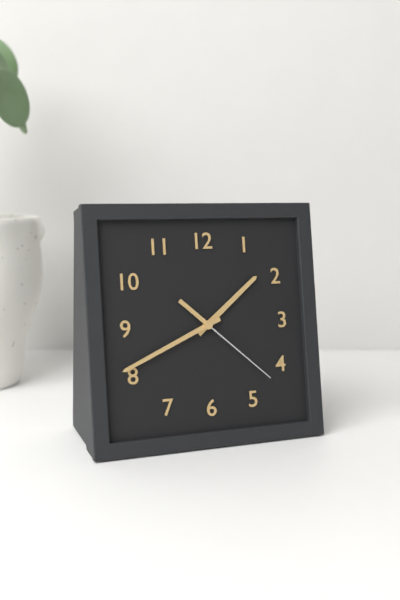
1:41:22
